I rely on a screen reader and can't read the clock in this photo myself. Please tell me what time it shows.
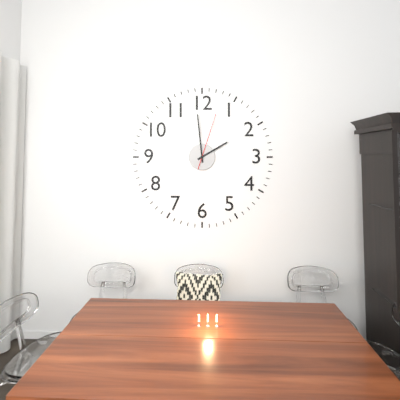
1:59:03
